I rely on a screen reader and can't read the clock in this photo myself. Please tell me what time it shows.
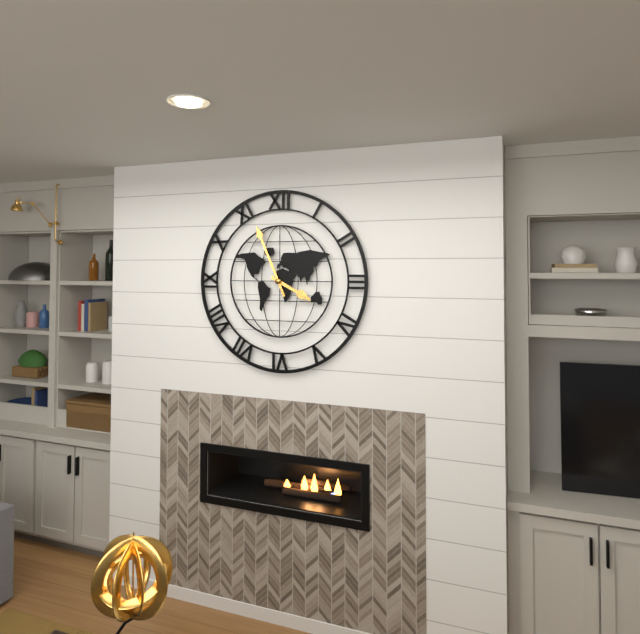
3:56
